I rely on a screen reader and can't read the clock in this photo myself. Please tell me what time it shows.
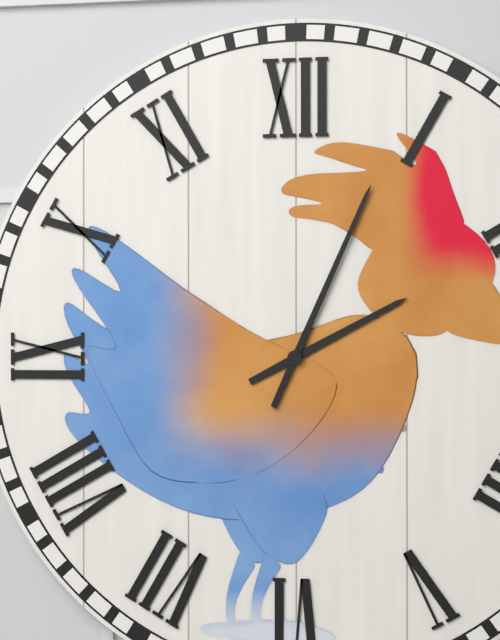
2:04
